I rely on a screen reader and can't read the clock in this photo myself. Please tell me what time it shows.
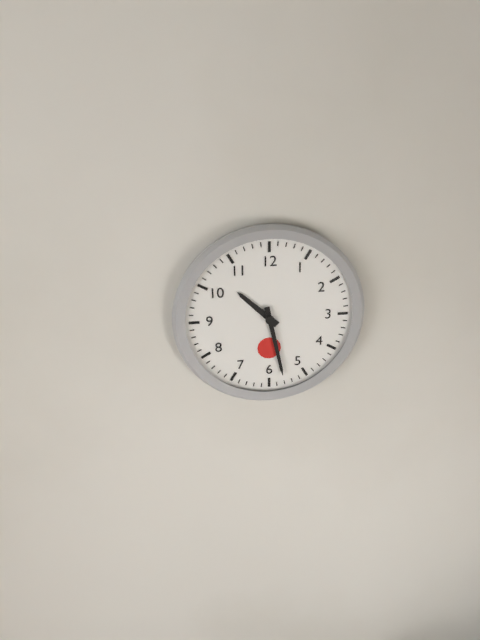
10:28
